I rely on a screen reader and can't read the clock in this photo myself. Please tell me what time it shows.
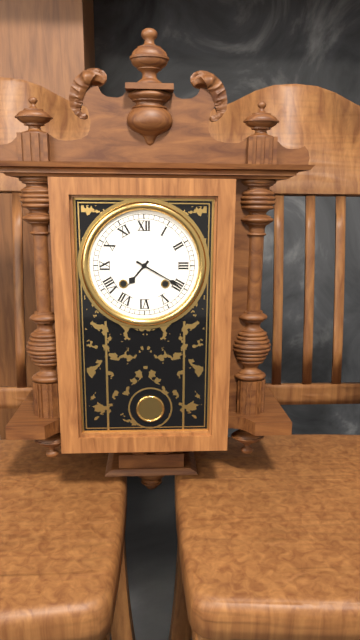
7:20
